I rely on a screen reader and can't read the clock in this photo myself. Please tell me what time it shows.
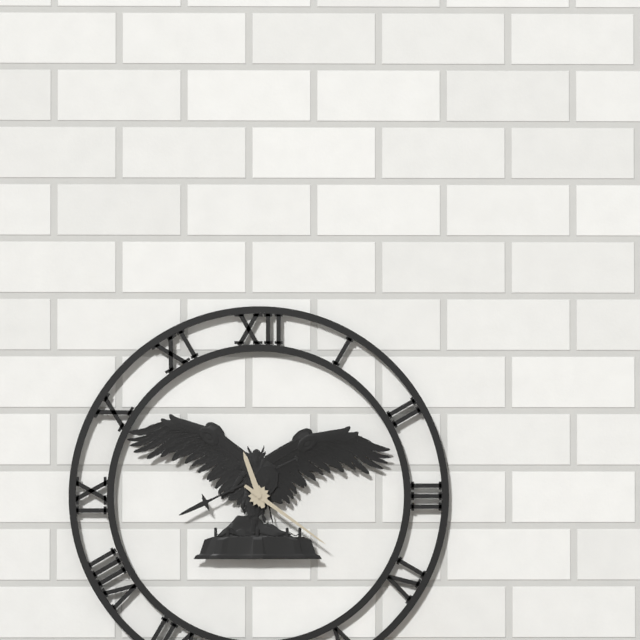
11:21
